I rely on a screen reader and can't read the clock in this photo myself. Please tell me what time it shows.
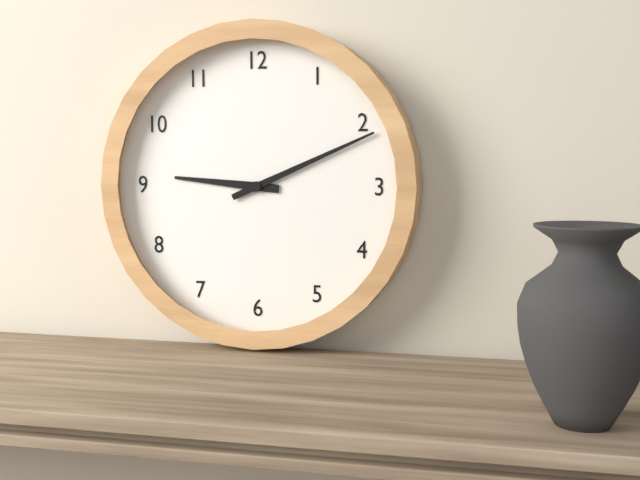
9:11
